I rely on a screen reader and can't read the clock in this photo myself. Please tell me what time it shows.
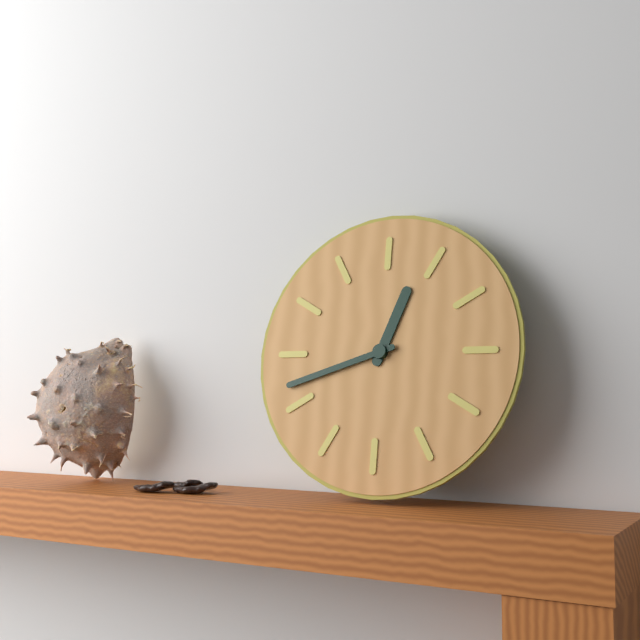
12:42
